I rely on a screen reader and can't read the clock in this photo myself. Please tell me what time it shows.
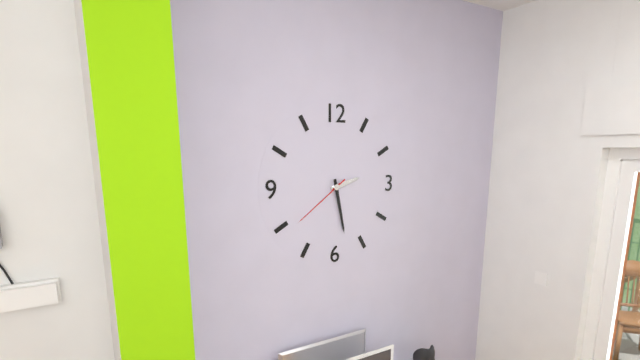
2:28:39
